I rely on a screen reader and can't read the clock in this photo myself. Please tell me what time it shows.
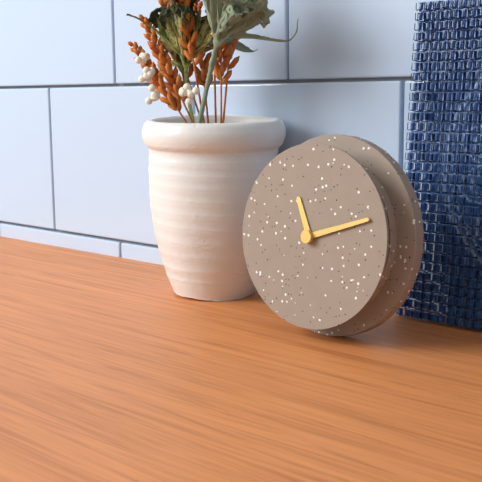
11:12
